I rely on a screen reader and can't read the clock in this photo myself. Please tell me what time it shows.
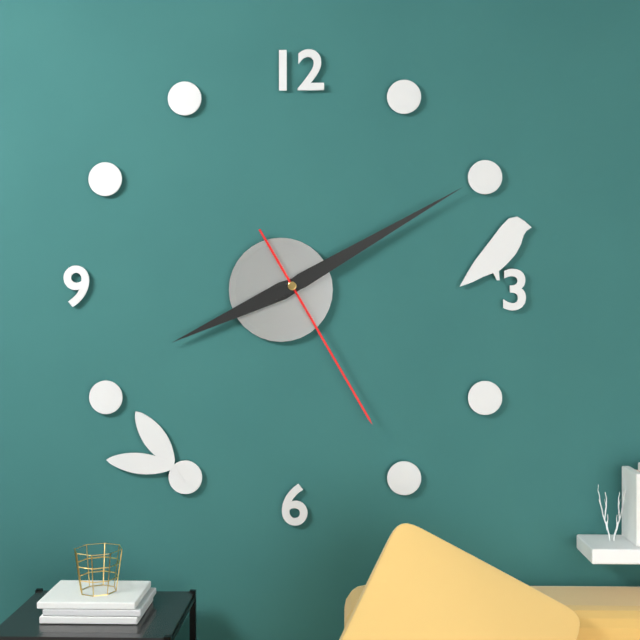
8:10:25
